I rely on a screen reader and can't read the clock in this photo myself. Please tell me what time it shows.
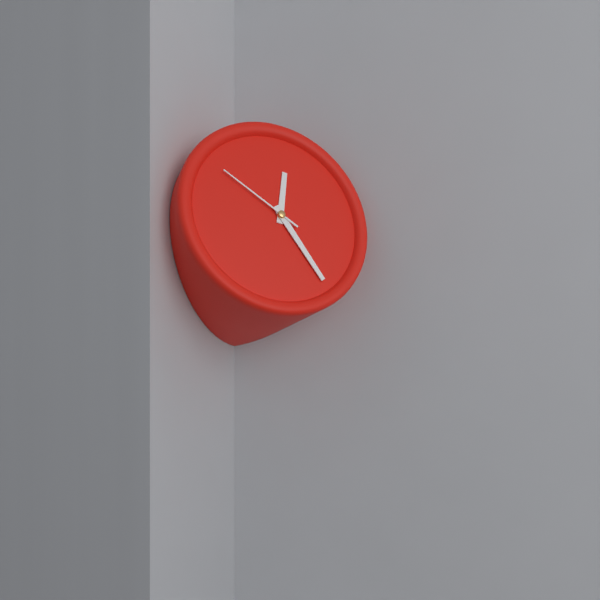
12:25:51
